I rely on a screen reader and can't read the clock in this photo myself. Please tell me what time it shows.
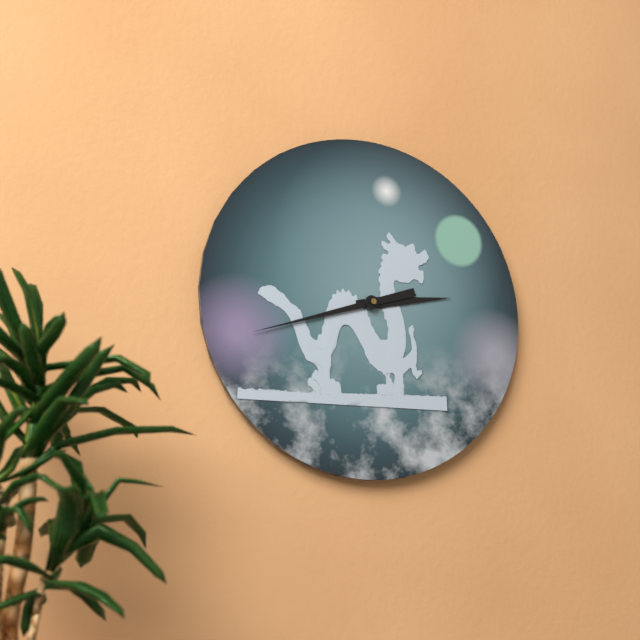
2:42
